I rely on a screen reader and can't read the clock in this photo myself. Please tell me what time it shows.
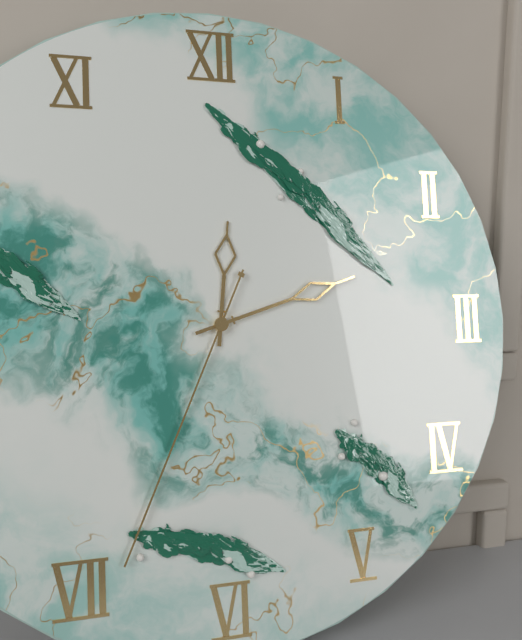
12:12:34
